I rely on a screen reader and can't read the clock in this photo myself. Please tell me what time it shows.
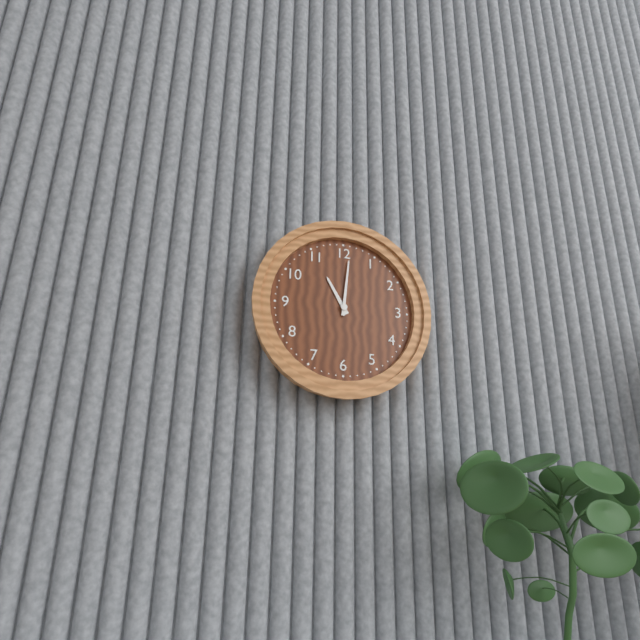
11:01
